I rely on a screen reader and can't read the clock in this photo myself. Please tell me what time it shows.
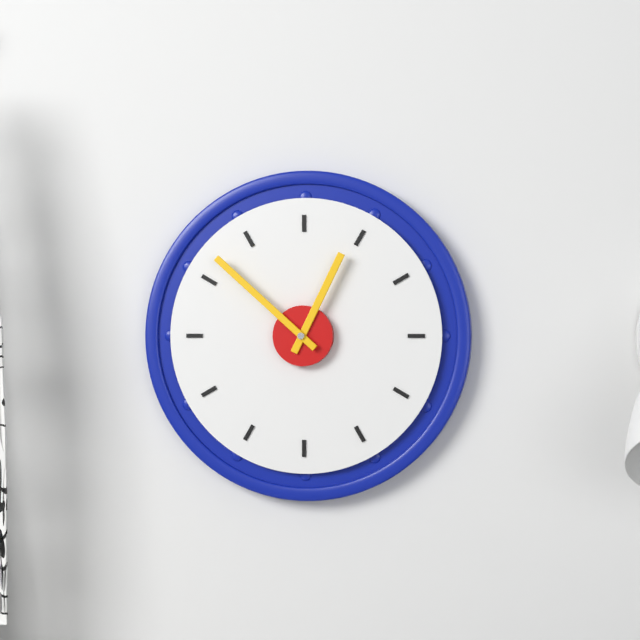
12:52
